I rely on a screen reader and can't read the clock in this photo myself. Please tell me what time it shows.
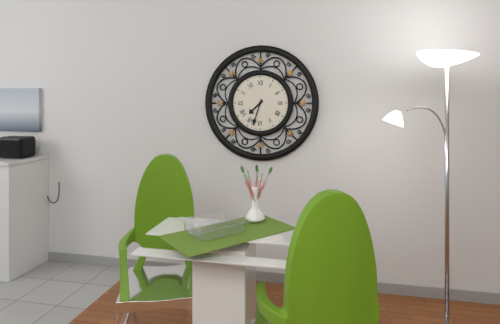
7:33
